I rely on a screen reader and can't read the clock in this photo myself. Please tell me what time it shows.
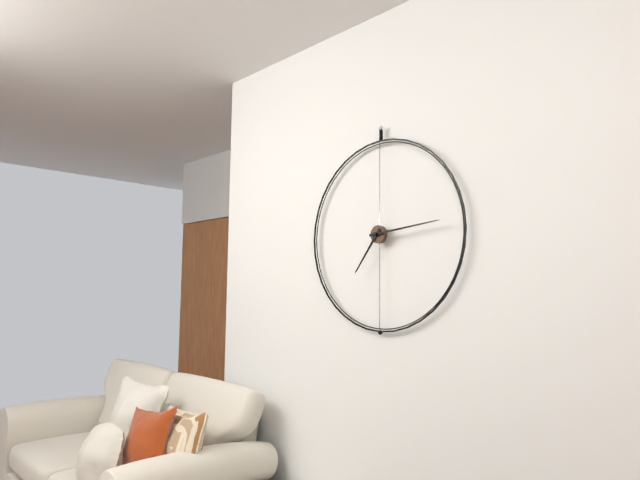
7:14
